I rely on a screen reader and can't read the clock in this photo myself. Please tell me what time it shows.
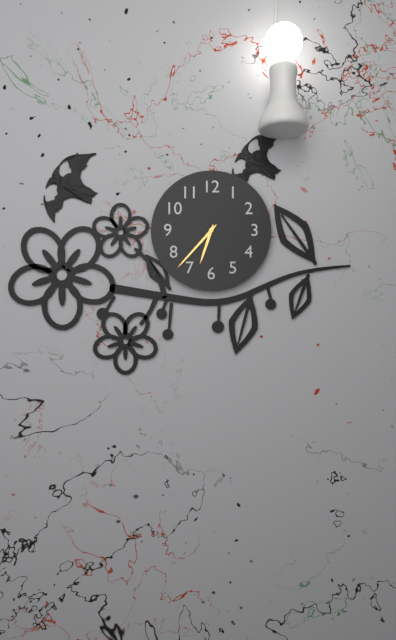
6:37
